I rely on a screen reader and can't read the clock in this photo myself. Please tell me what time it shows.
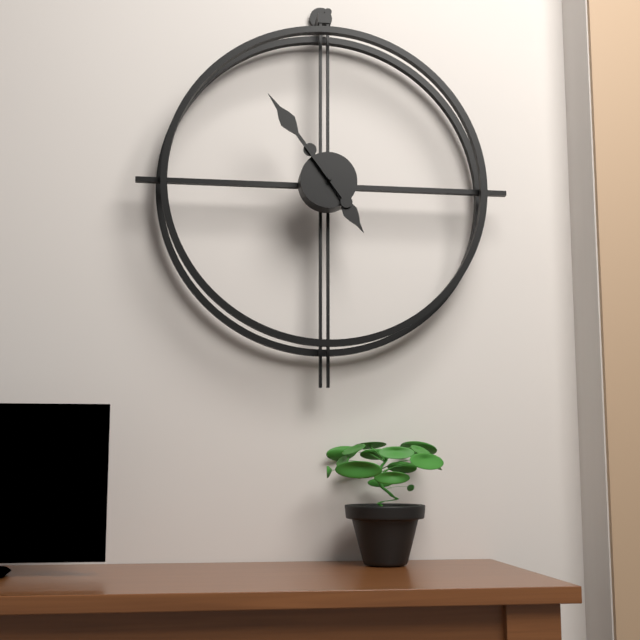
4:54
